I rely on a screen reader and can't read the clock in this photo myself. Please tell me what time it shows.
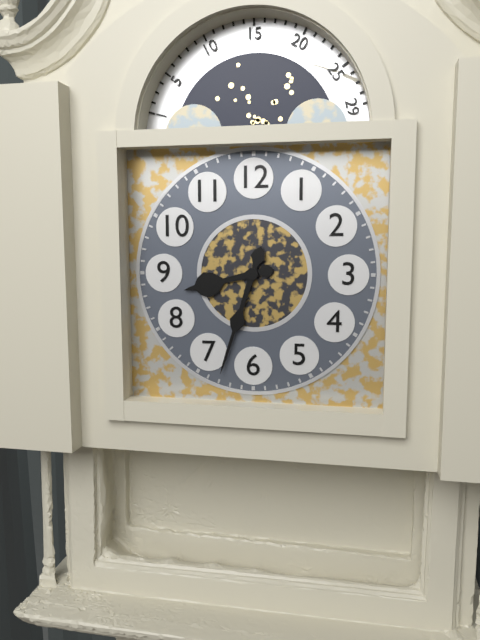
8:33
